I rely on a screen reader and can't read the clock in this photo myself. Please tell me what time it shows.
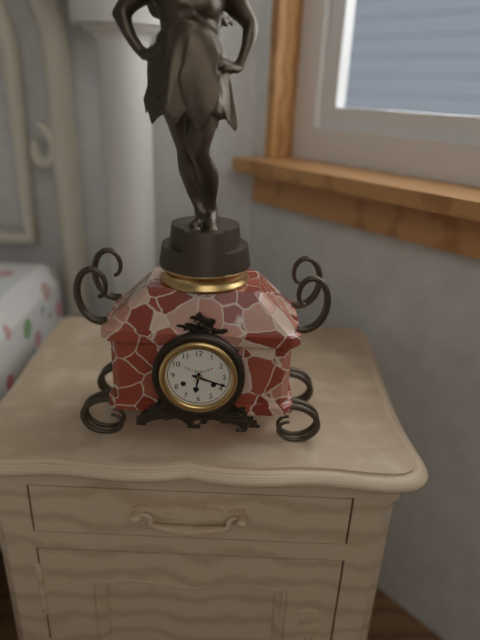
6:18
